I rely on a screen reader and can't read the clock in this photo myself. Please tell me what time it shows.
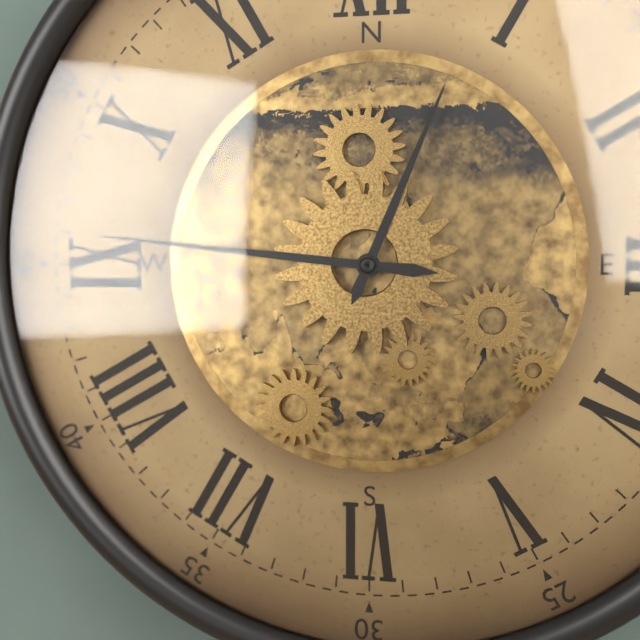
12:46
